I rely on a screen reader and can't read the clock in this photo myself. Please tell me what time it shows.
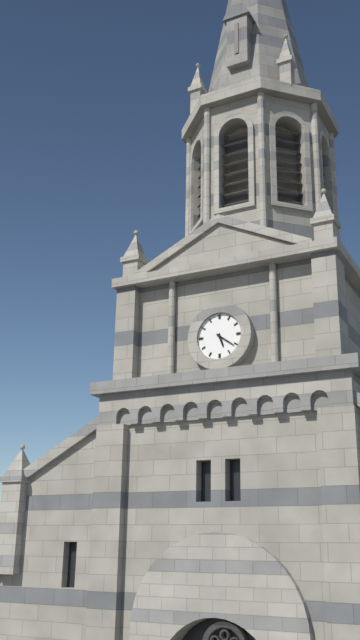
5:21
